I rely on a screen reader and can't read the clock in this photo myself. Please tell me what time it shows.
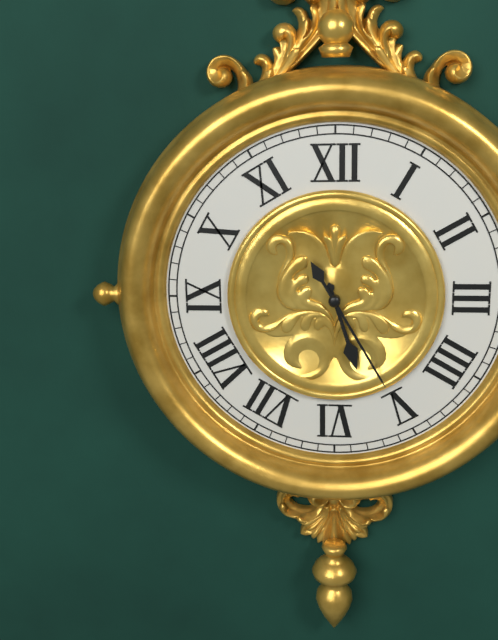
5:25
